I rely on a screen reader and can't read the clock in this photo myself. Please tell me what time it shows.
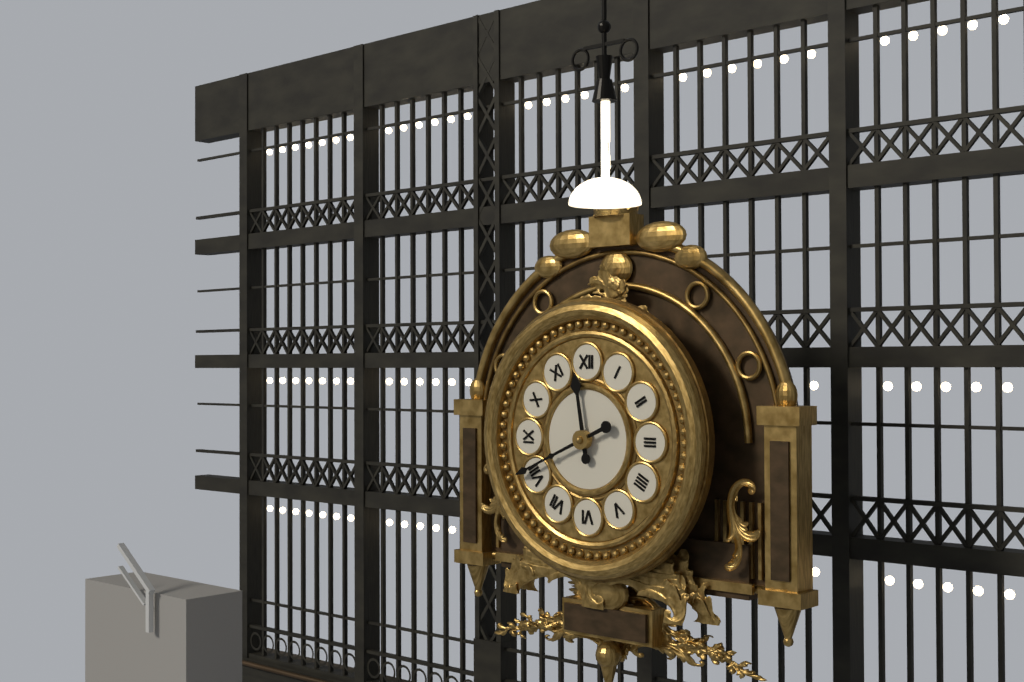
11:41
